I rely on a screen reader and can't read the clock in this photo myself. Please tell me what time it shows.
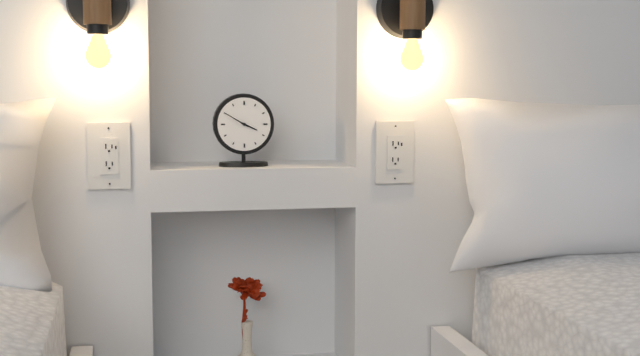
3:50
